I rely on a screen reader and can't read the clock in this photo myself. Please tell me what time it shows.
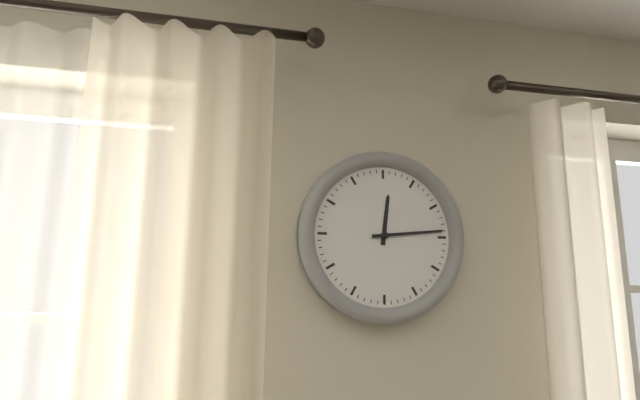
12:14
